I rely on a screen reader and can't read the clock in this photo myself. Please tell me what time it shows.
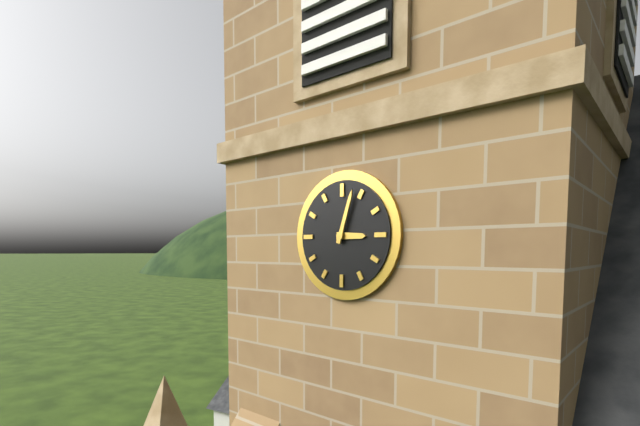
3:03
